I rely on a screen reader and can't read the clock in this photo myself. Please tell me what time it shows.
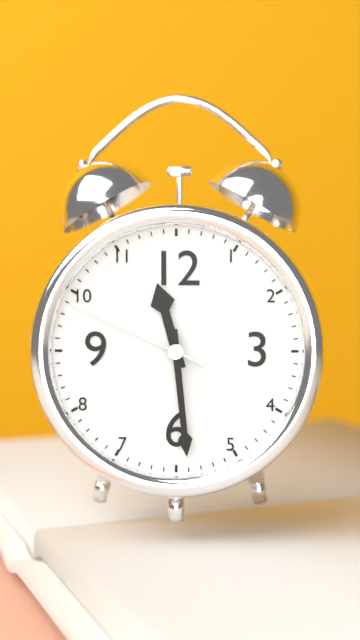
11:29:49
